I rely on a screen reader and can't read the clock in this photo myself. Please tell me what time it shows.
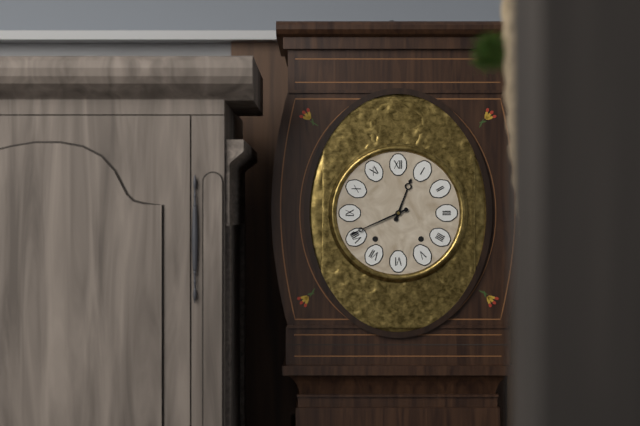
12:41
